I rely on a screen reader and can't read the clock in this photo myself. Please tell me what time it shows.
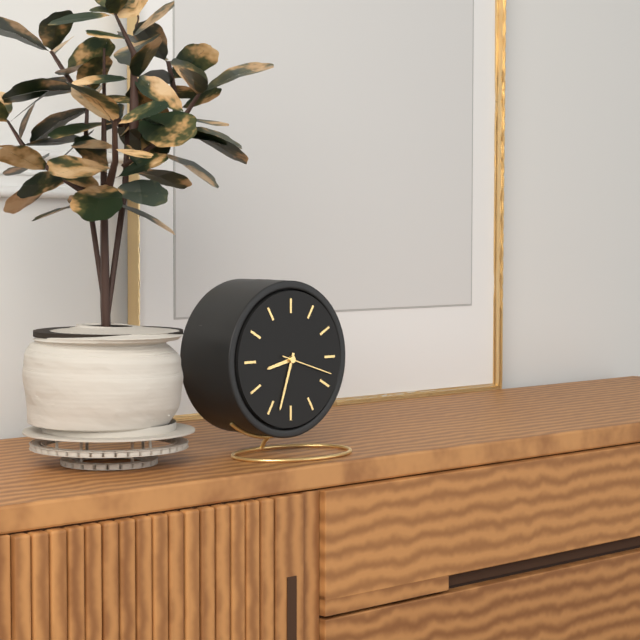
8:33:18
